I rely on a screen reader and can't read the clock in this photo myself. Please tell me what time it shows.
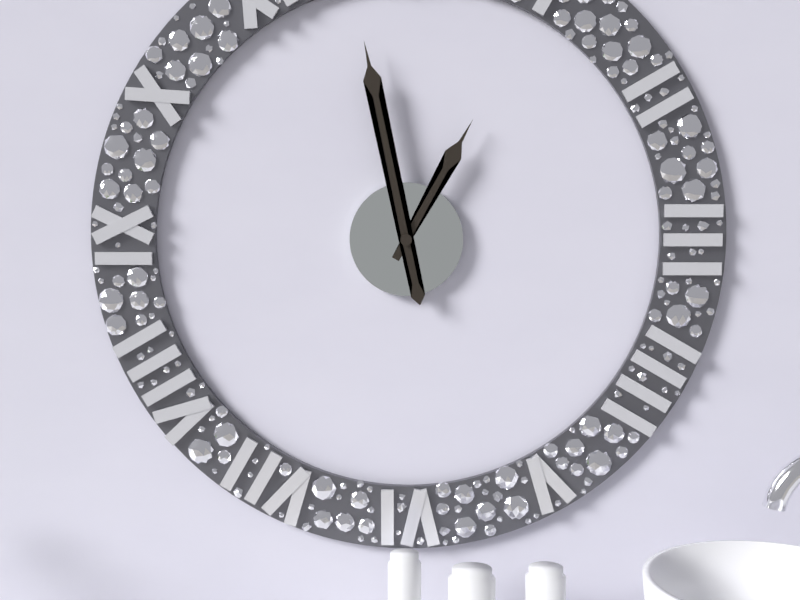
12:58
